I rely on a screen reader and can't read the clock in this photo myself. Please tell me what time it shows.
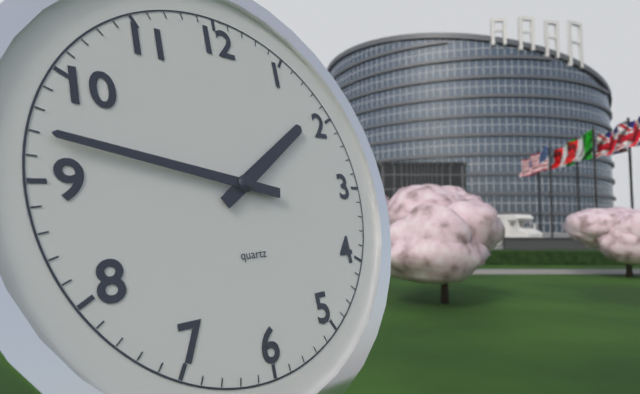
1:47
